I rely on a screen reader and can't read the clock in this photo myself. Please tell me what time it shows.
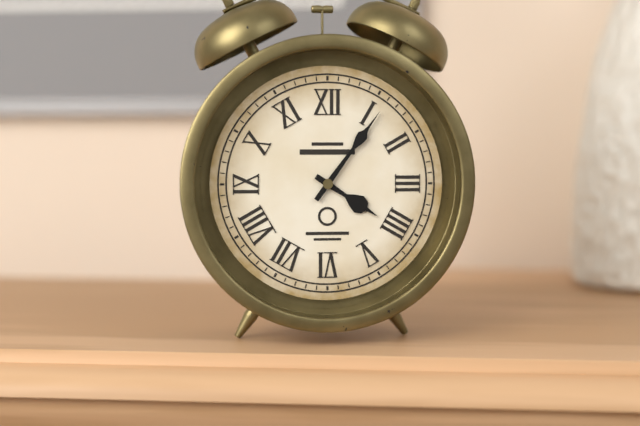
4:06
